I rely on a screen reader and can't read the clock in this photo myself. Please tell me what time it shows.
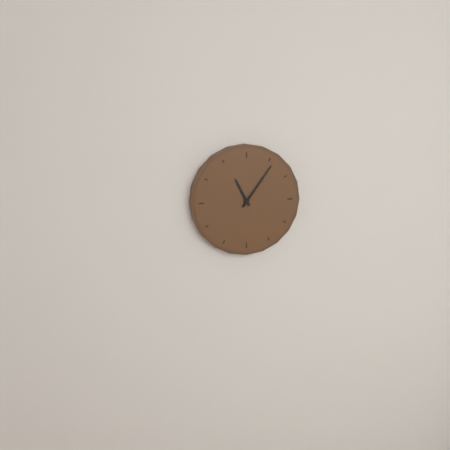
11:06
